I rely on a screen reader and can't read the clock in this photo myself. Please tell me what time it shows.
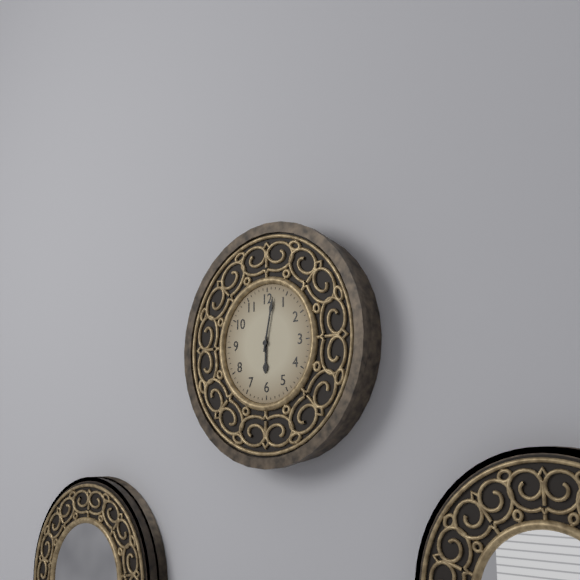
6:02
